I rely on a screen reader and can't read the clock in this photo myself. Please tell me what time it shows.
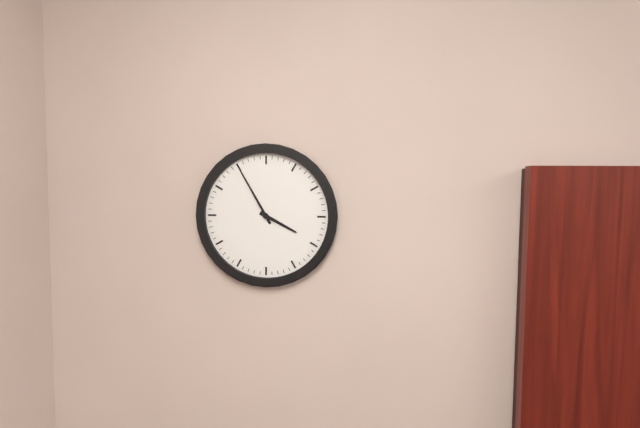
3:55
